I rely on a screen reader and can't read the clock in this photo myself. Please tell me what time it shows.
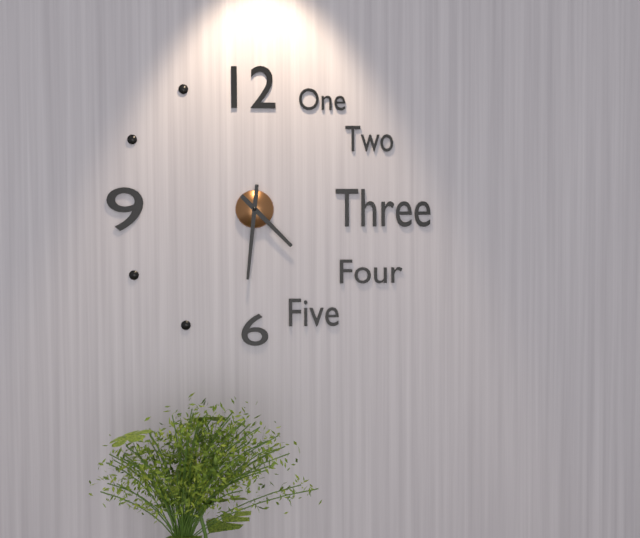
4:31
